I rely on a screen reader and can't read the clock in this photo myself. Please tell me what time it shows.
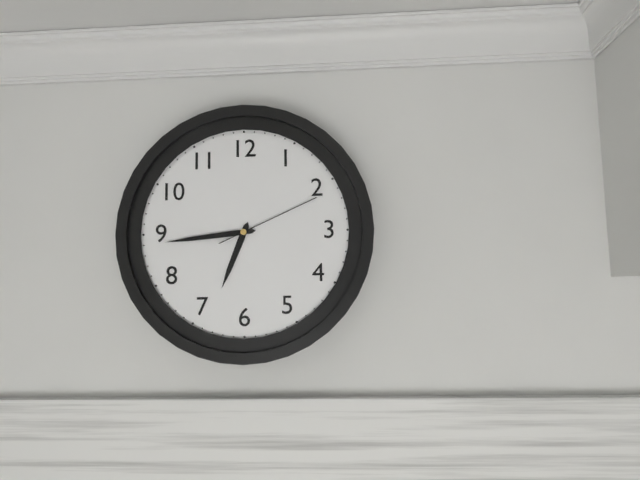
6:44:11
